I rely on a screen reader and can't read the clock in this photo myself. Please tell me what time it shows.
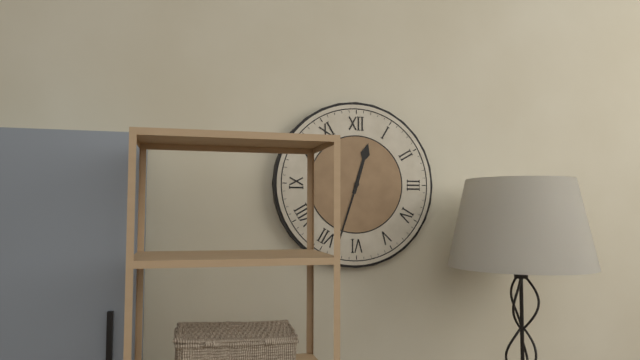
12:33
